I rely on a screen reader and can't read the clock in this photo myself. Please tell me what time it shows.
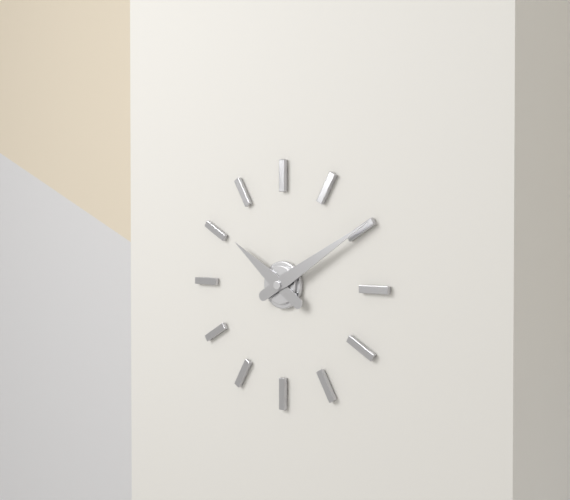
10:10
